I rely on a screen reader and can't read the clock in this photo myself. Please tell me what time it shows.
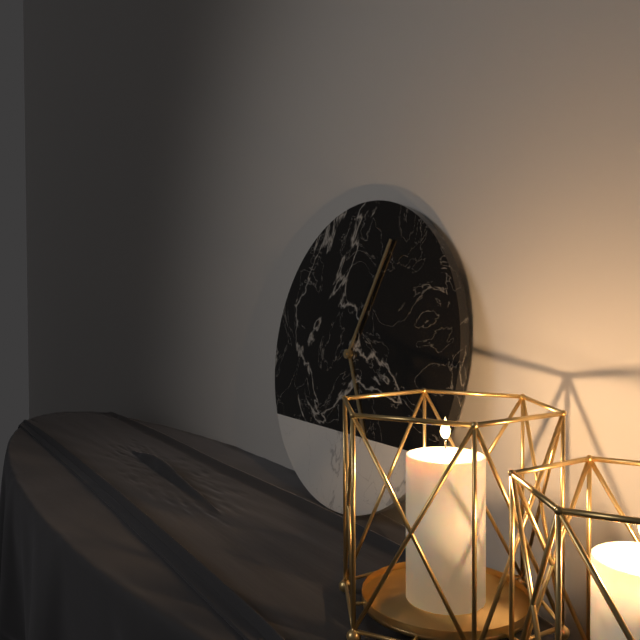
5:04
